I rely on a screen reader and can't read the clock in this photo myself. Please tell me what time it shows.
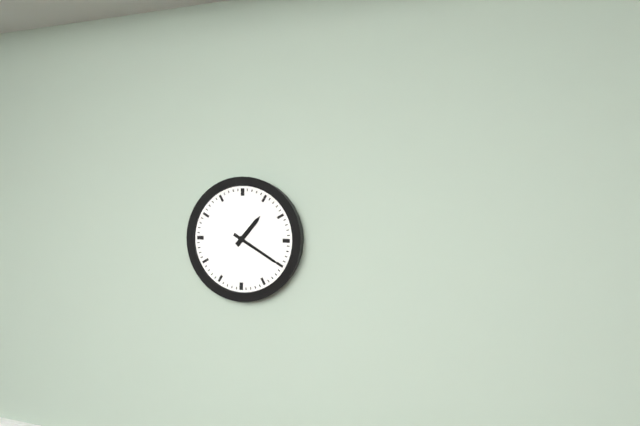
1:20
